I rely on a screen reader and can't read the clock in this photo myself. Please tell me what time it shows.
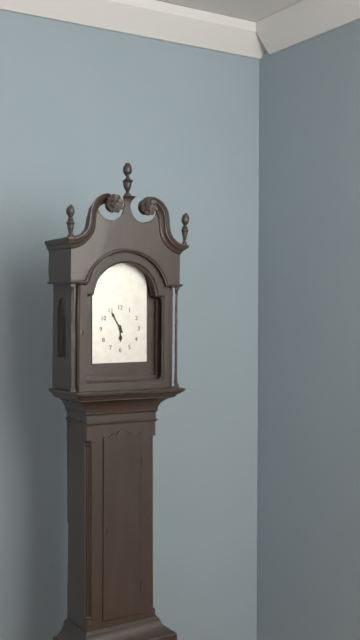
5:55
